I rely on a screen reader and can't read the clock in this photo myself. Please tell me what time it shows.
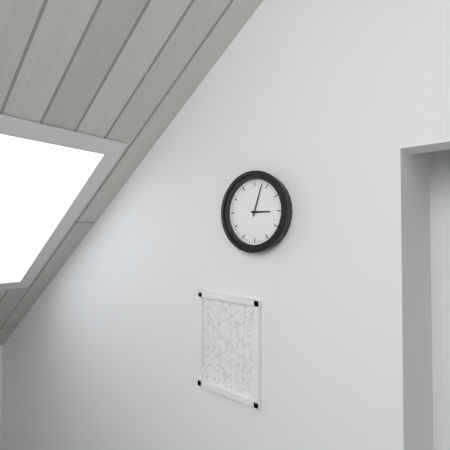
3:03
